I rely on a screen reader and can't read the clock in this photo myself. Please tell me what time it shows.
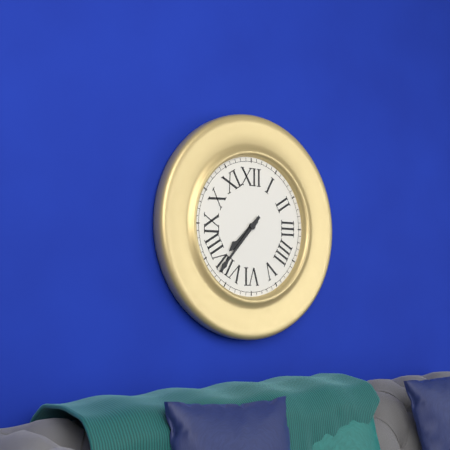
7:37
